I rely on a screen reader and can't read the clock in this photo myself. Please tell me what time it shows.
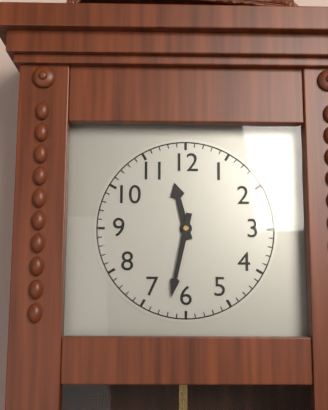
11:32
